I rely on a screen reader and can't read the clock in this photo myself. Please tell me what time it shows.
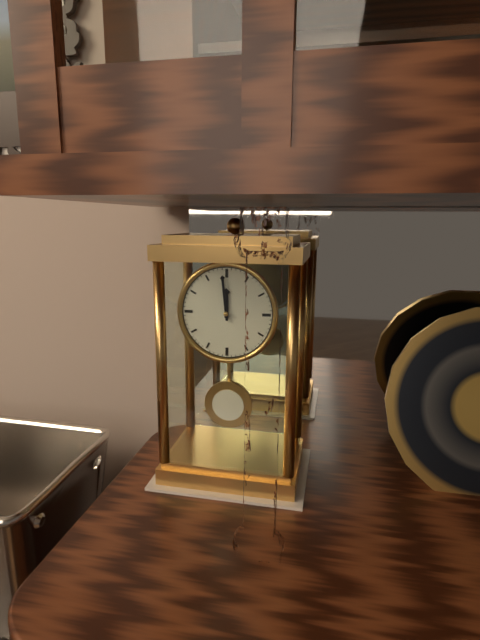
11:59
